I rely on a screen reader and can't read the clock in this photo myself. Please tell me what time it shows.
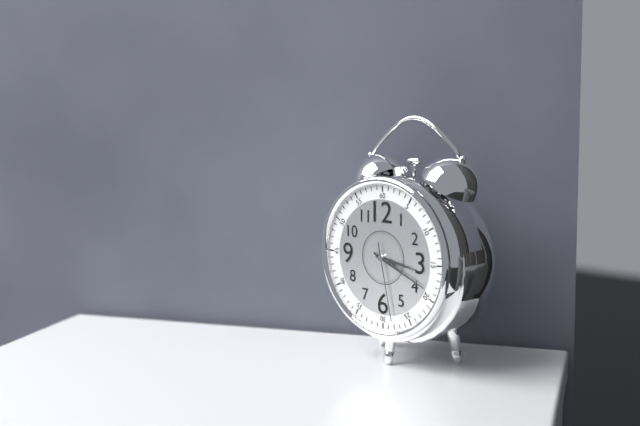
3:19:28
